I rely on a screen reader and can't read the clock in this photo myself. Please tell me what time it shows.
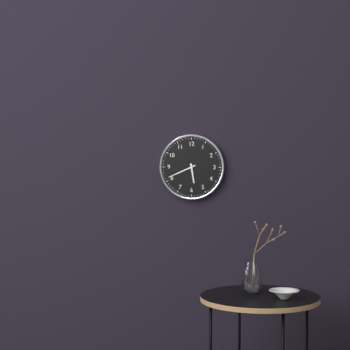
5:41
